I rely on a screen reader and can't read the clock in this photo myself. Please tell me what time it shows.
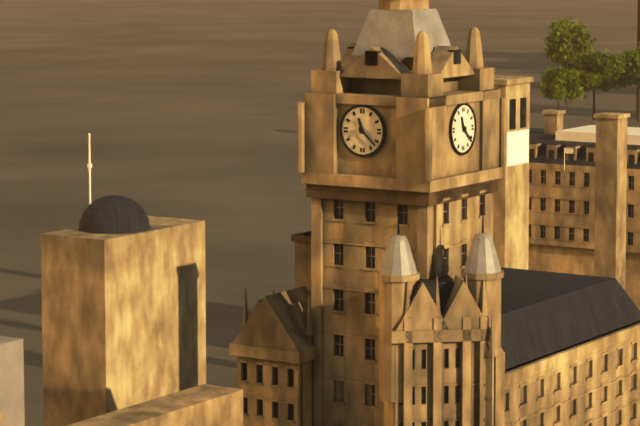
11:22
